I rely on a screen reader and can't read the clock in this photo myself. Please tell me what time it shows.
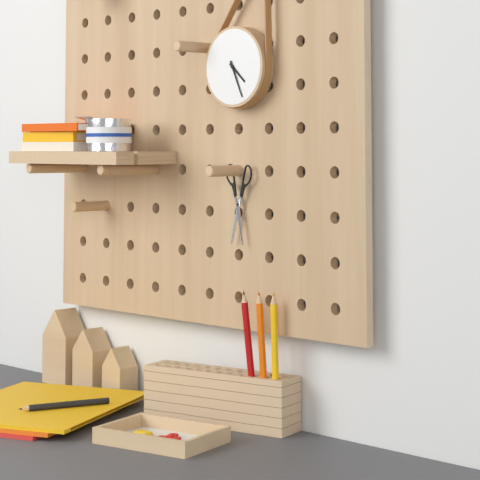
4:26
